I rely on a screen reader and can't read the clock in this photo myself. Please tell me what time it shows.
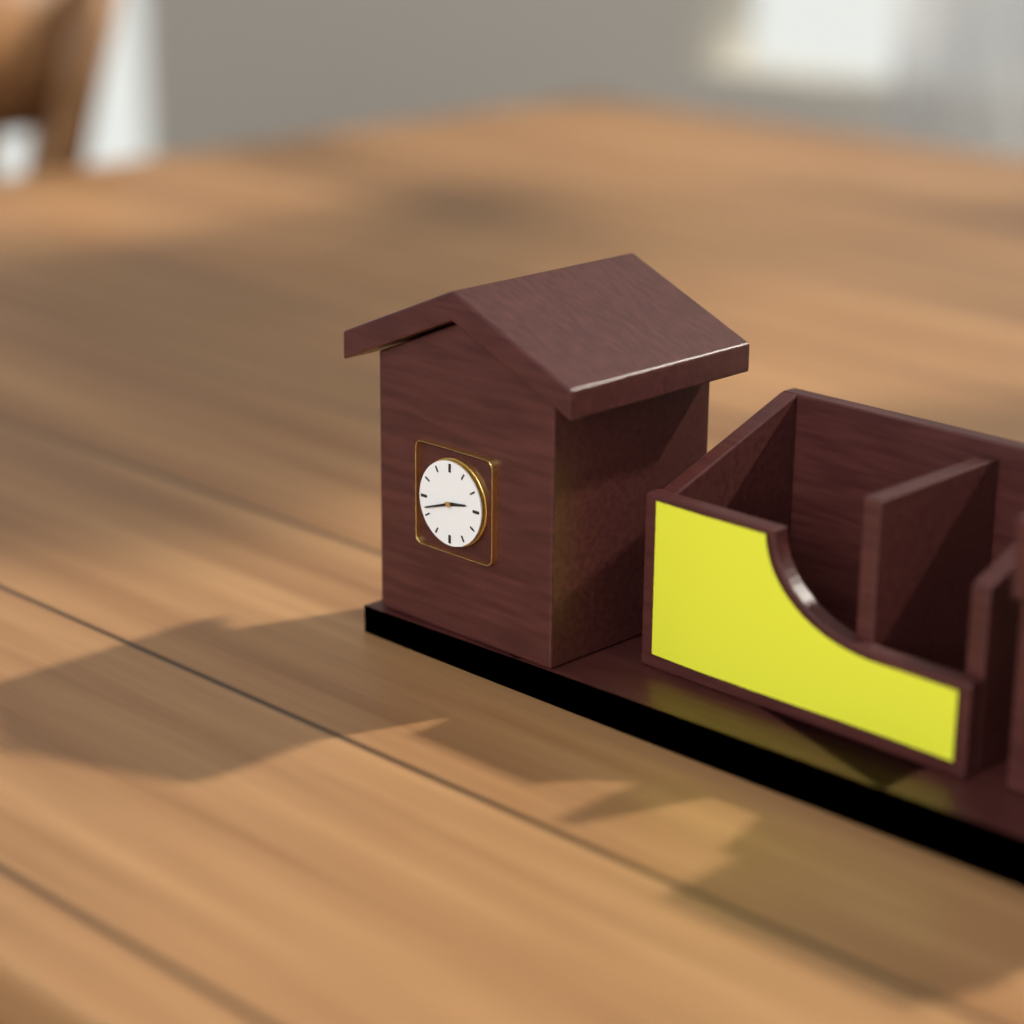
2:42
